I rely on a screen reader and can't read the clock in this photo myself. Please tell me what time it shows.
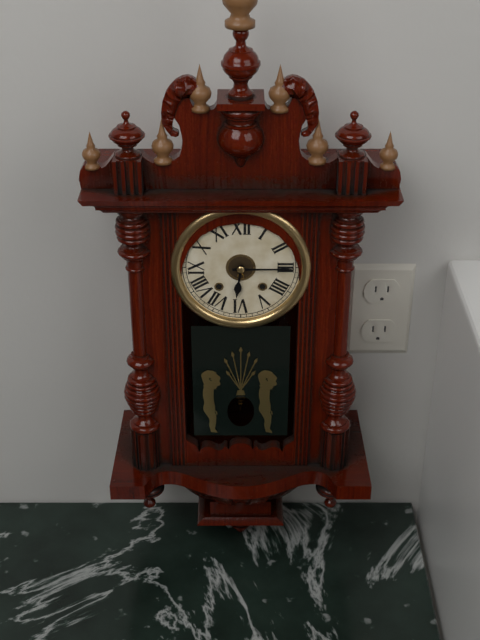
6:15
